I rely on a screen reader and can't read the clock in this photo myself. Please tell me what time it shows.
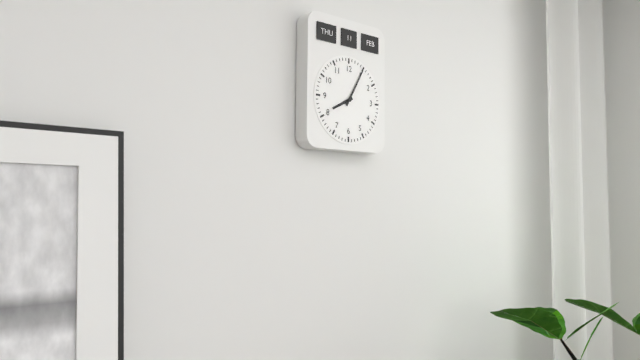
8:05
